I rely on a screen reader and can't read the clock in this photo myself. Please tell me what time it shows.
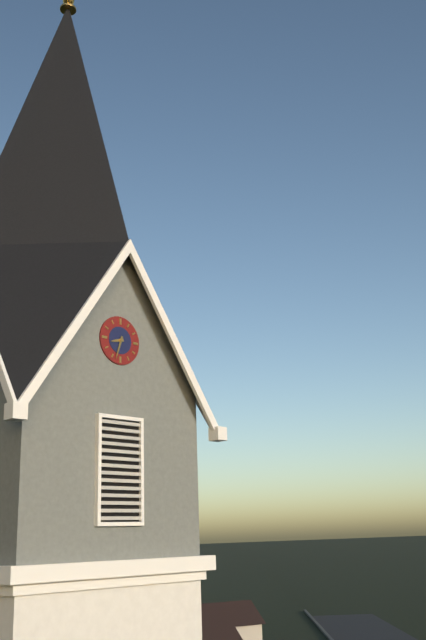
8:33
